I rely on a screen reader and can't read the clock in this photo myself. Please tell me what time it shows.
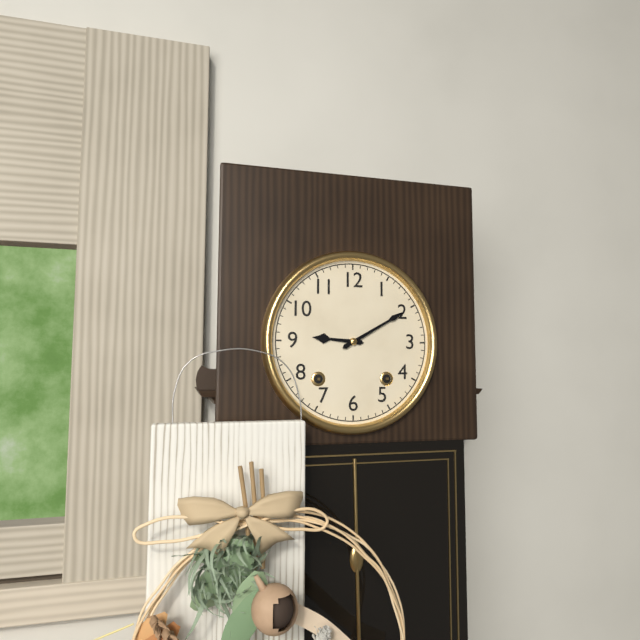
9:10
